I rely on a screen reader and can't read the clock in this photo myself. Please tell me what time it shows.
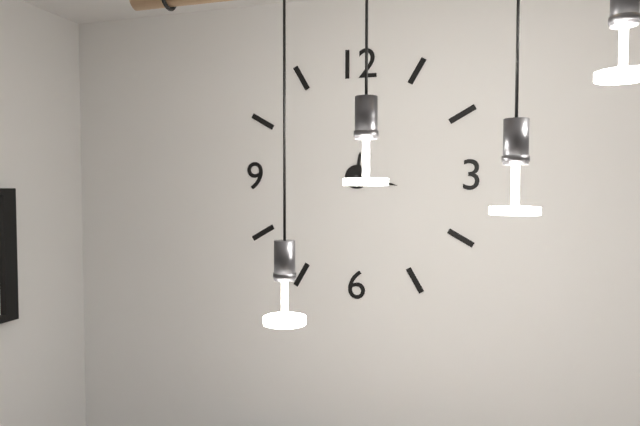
12:17
